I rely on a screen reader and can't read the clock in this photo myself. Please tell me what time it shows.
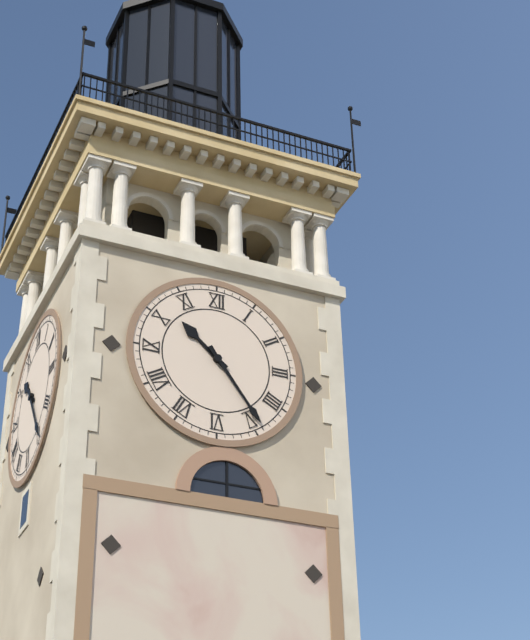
10:24
